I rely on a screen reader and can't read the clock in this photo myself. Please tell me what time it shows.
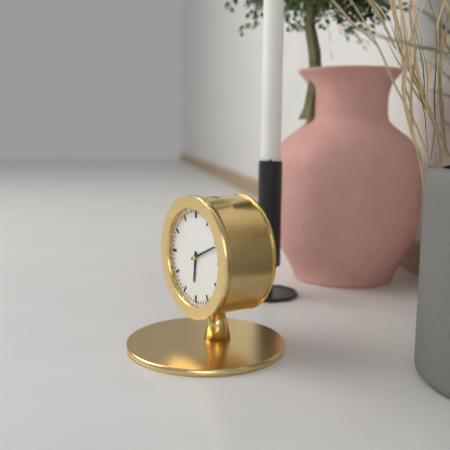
6:11
